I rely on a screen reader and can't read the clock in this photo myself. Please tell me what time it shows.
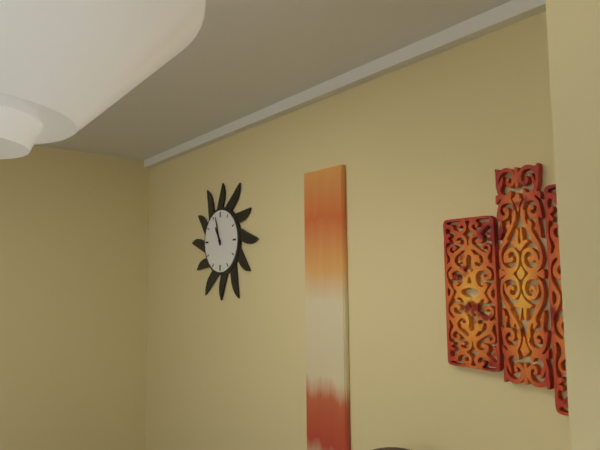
10:57
